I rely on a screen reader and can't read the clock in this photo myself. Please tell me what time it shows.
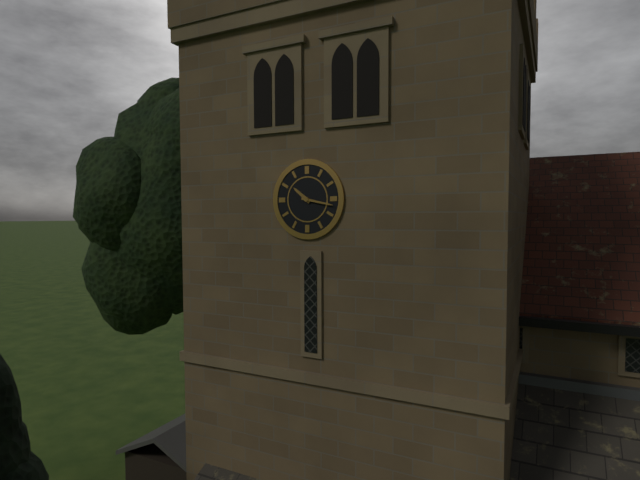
10:17
